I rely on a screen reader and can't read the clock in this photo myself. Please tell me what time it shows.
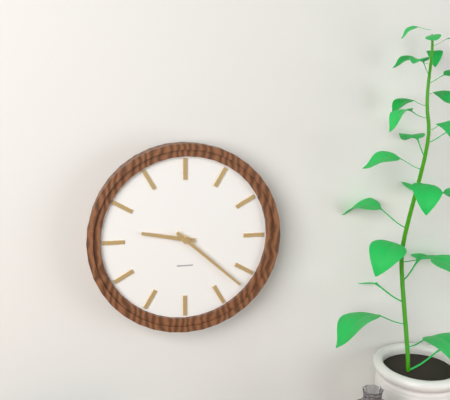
9:22
